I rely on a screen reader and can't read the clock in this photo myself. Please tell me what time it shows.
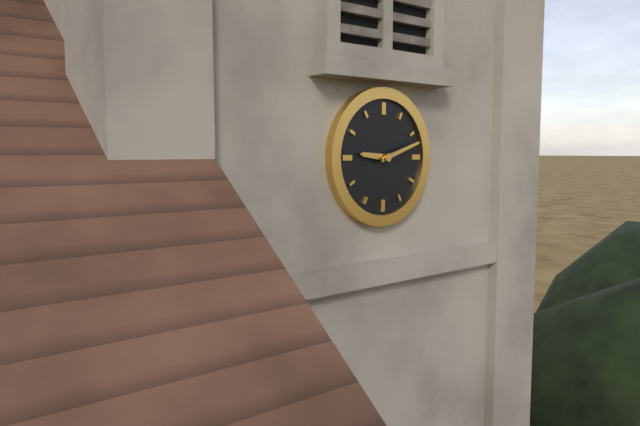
9:12
